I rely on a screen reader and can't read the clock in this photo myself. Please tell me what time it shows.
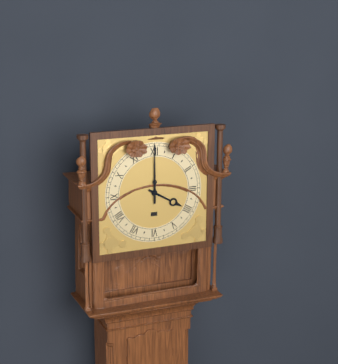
4:00
